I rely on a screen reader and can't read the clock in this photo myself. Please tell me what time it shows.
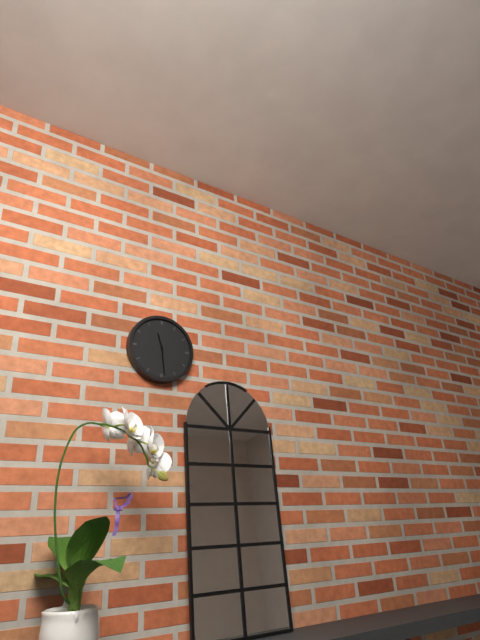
11:29
